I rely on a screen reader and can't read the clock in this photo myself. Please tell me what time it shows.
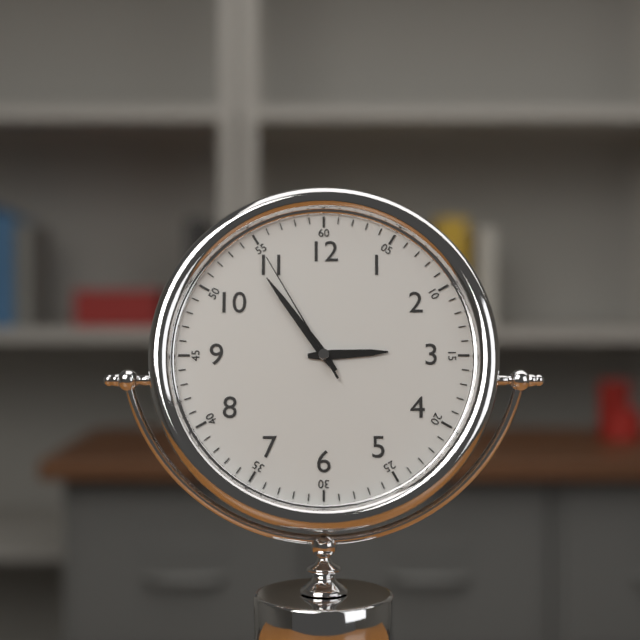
2:54:55
